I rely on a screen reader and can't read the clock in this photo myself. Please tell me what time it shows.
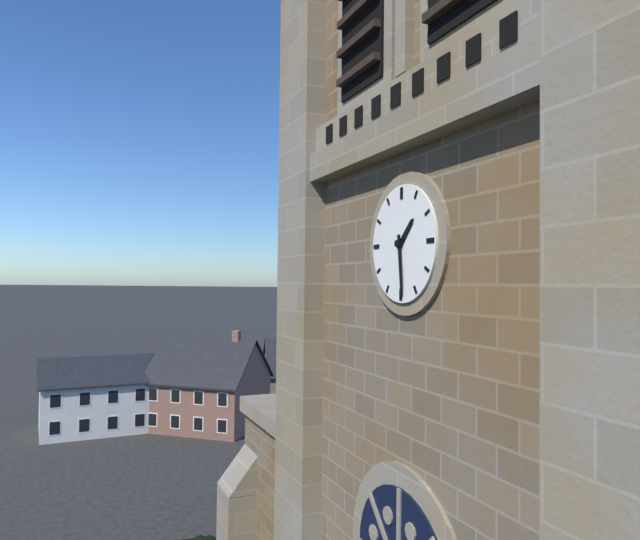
1:29
